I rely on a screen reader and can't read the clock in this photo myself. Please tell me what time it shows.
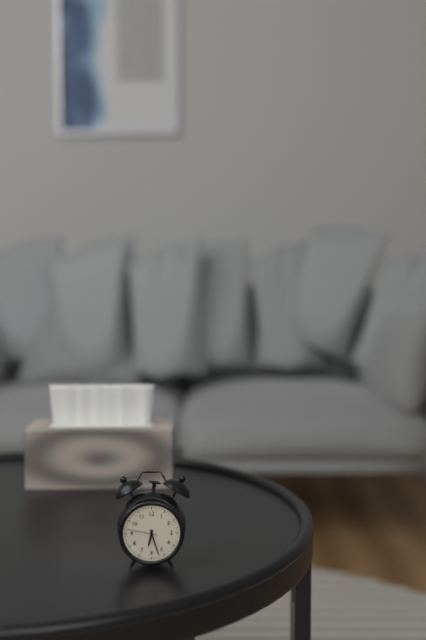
6:27
